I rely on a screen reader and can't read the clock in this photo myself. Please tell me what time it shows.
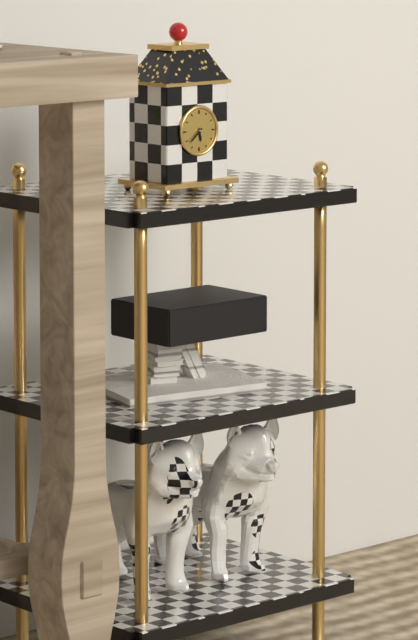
5:38
